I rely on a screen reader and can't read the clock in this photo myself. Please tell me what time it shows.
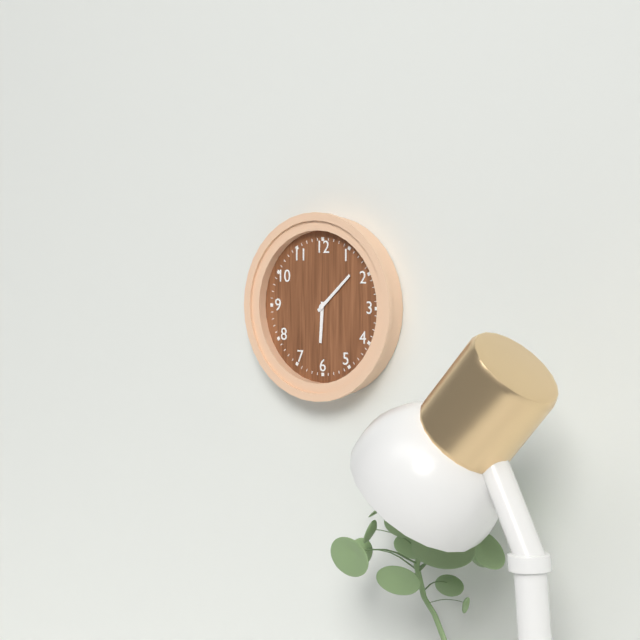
6:08
